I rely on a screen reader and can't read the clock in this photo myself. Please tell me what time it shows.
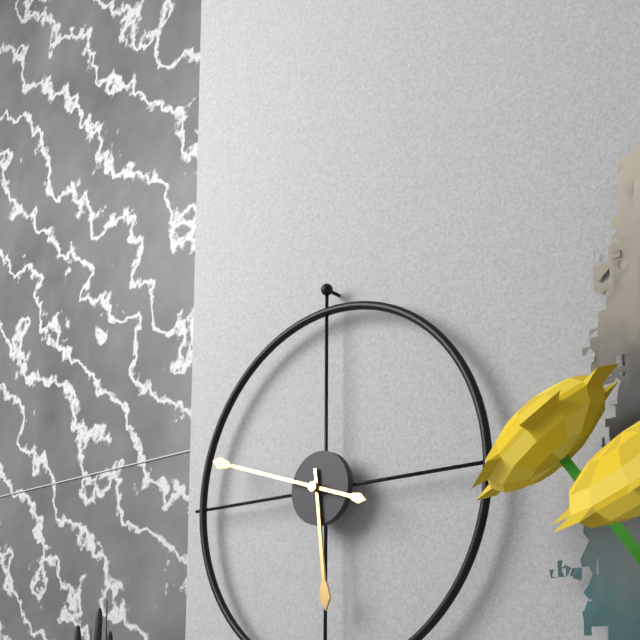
5:48
